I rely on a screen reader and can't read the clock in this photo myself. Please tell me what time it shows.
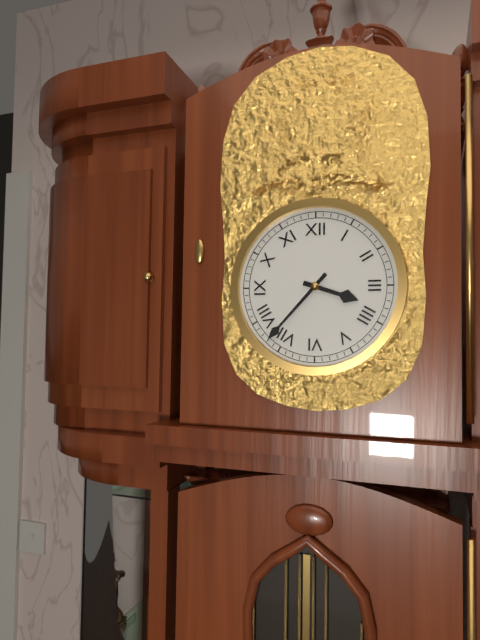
3:37
